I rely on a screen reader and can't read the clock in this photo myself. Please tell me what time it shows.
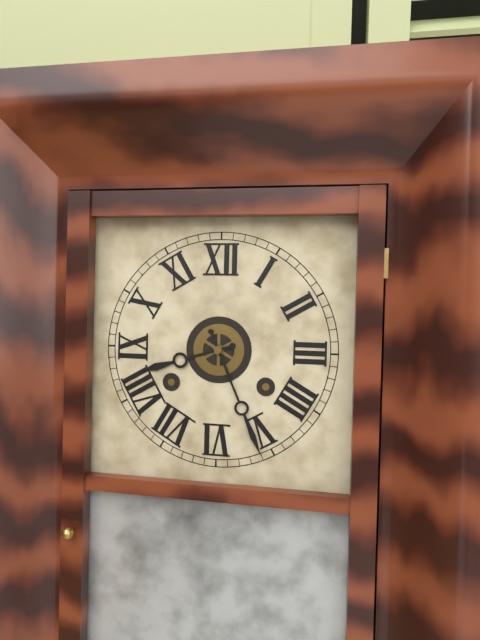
8:26
